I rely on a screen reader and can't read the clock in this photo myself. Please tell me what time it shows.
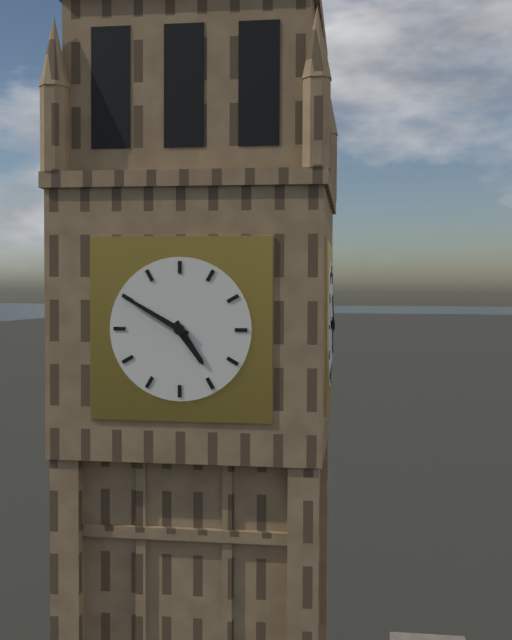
4:50
